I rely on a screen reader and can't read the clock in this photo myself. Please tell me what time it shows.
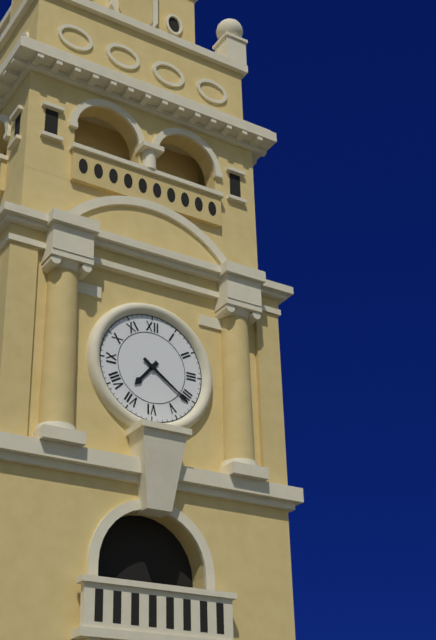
7:21
